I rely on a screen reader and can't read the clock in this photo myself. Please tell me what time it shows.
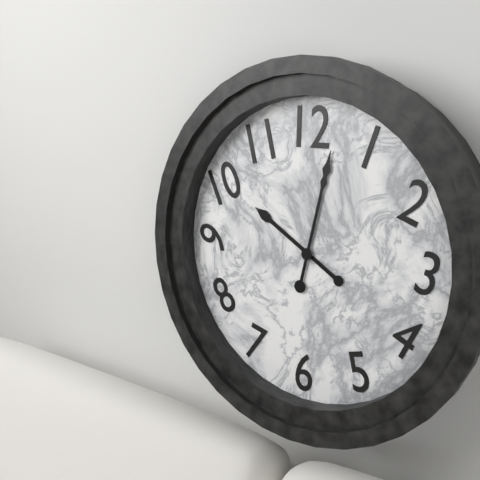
10:02
